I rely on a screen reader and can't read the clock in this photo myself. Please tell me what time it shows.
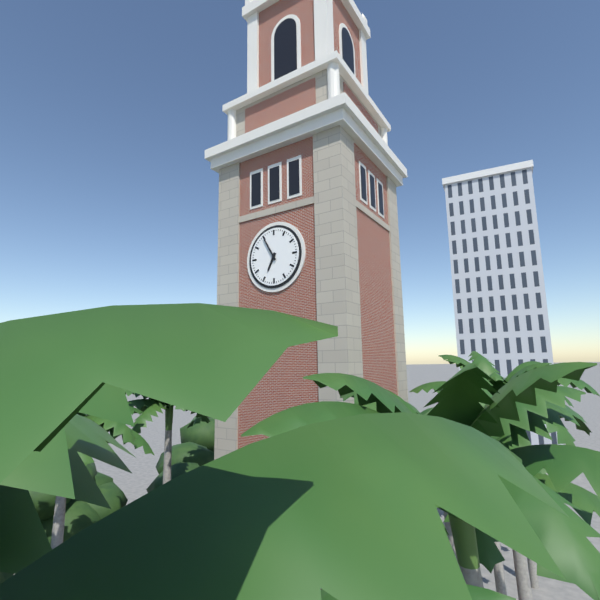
6:55
